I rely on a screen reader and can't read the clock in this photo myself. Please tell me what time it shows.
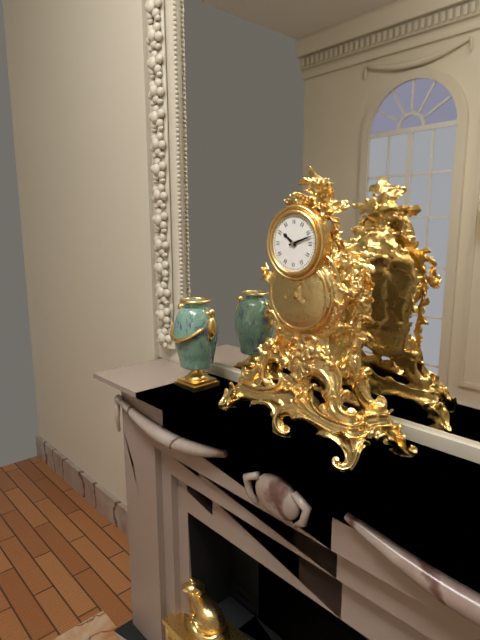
10:12
